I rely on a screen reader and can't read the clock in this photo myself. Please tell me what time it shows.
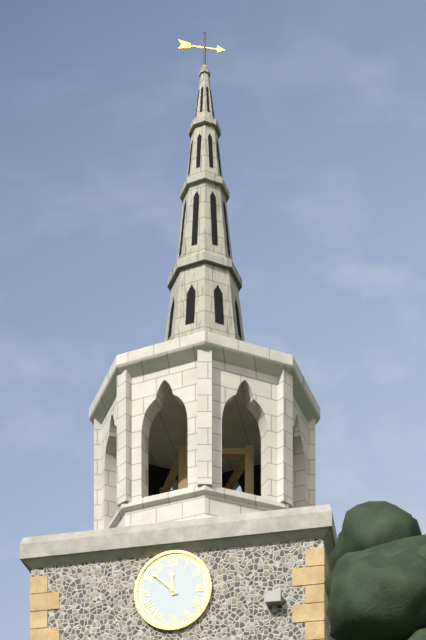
11:52
